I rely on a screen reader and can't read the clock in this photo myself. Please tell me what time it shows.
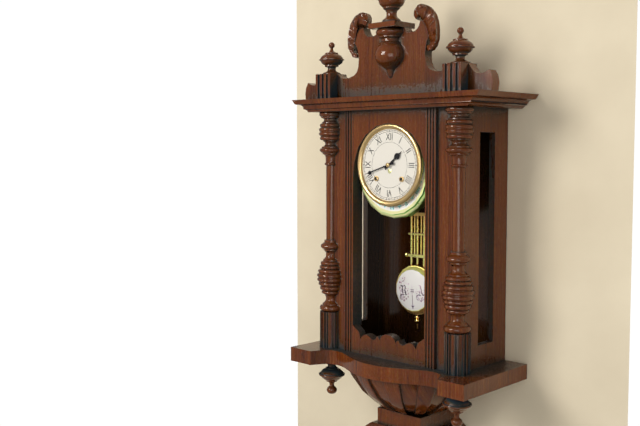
1:42
